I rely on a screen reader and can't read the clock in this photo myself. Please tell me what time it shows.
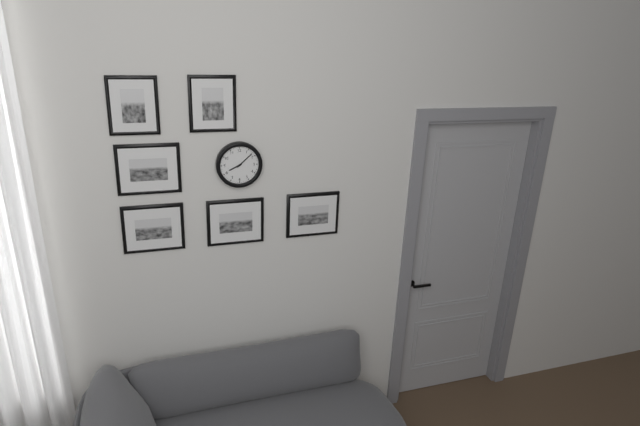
8:08
